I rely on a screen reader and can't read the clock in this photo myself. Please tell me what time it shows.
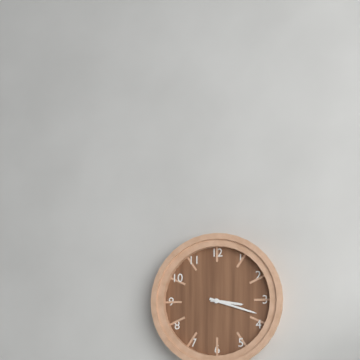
3:18
